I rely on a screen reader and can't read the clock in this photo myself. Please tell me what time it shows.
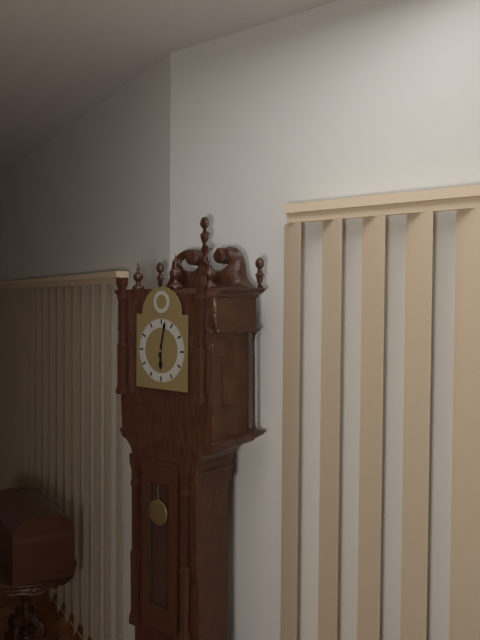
6:02
